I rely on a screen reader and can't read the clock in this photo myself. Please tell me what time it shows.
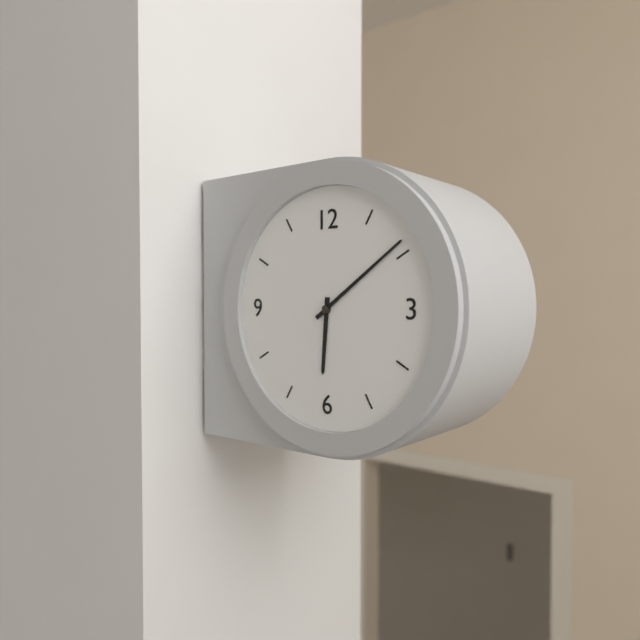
6:09
